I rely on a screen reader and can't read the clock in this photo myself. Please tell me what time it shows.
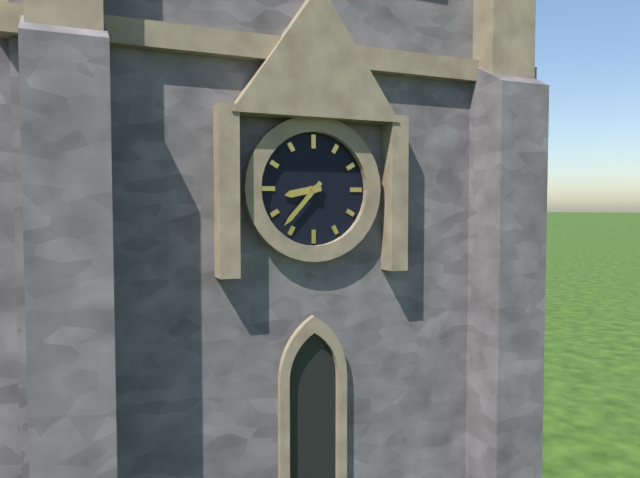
8:37
